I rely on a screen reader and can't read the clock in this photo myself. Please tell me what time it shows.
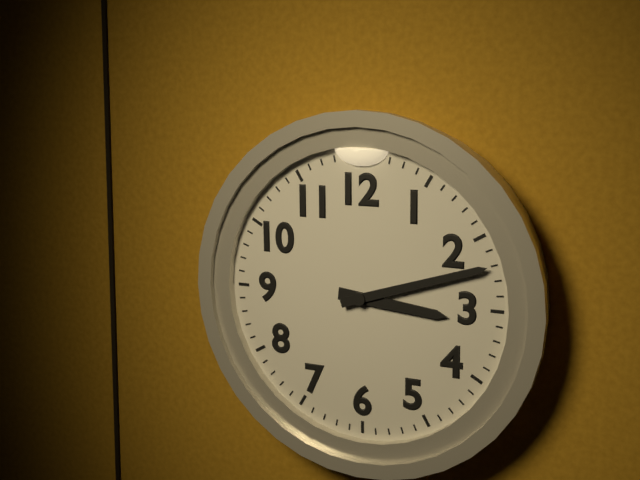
3:12
